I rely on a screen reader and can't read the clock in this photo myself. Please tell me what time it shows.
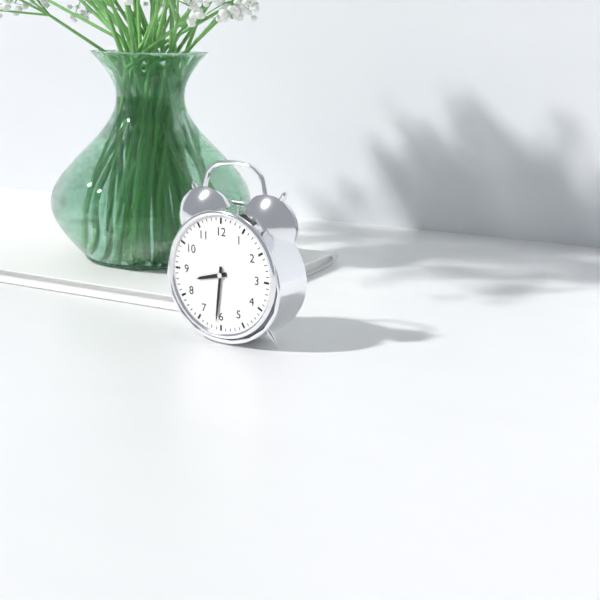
8:31
